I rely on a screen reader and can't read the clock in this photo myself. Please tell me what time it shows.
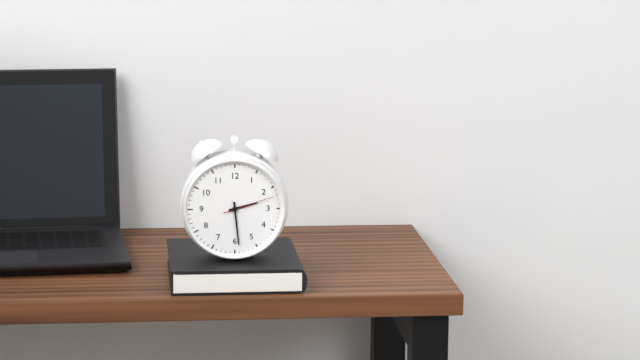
2:29:12
